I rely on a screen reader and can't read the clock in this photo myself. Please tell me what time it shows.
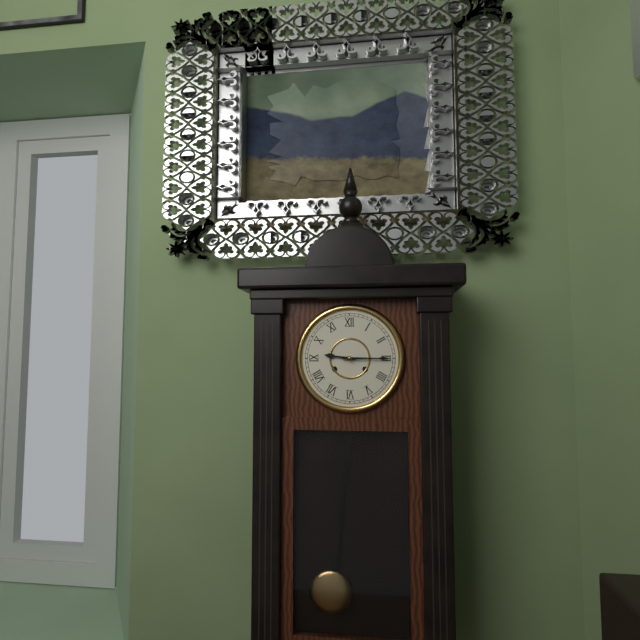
9:15
